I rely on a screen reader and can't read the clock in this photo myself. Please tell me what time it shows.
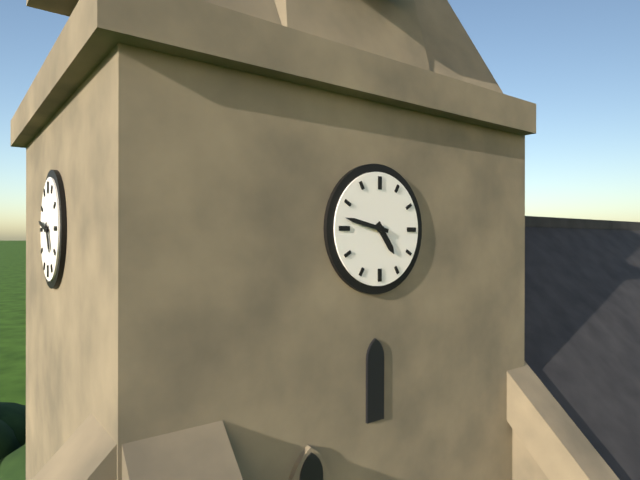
4:47
